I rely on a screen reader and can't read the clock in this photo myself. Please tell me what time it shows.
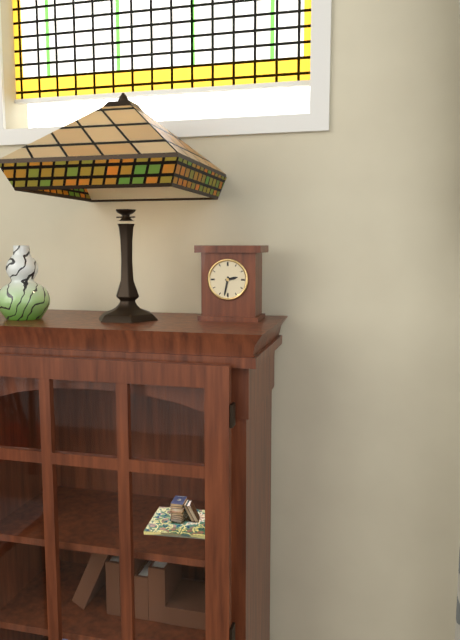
2:32
